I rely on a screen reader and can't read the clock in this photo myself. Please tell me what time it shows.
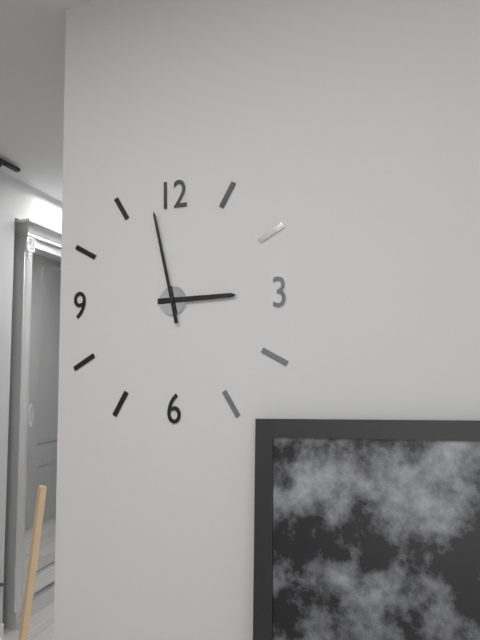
2:58
